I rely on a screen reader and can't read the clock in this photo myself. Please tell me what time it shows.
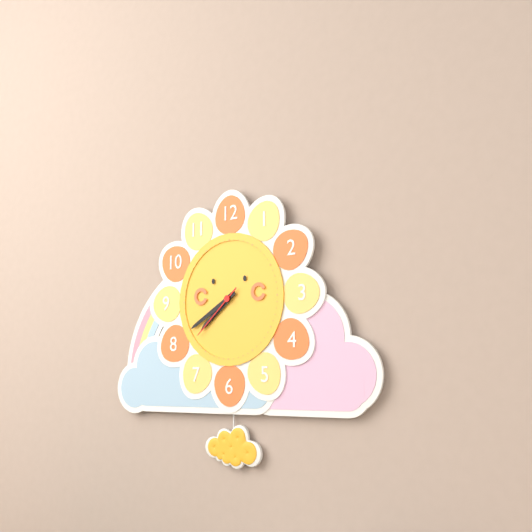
7:40:38
